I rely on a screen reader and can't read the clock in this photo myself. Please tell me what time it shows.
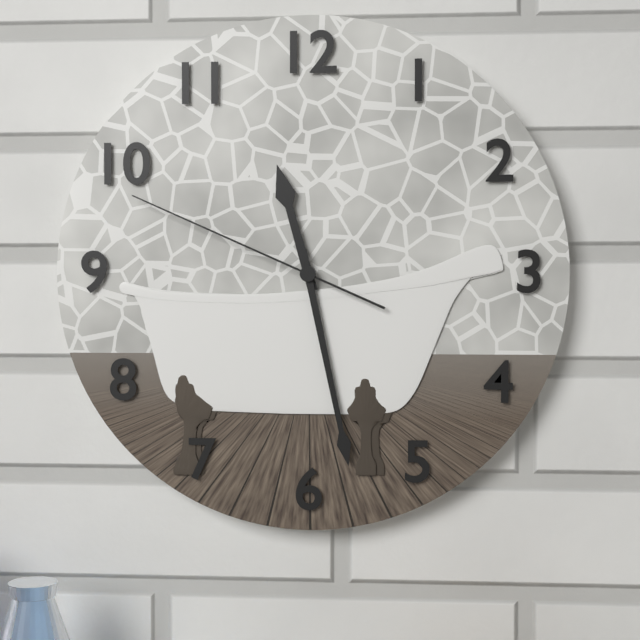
11:28:49
